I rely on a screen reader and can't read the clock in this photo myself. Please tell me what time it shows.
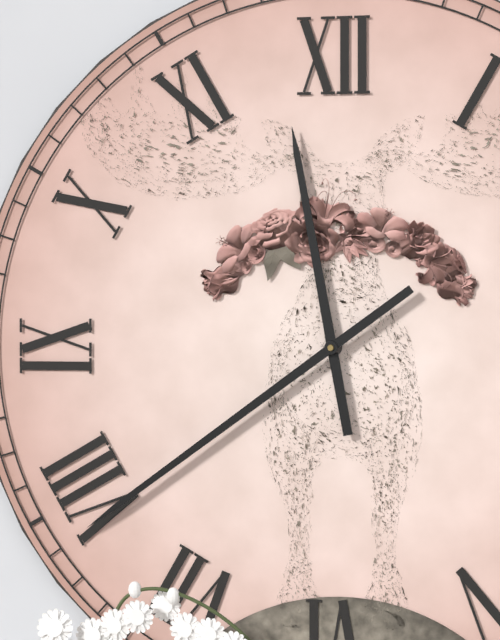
11:39
